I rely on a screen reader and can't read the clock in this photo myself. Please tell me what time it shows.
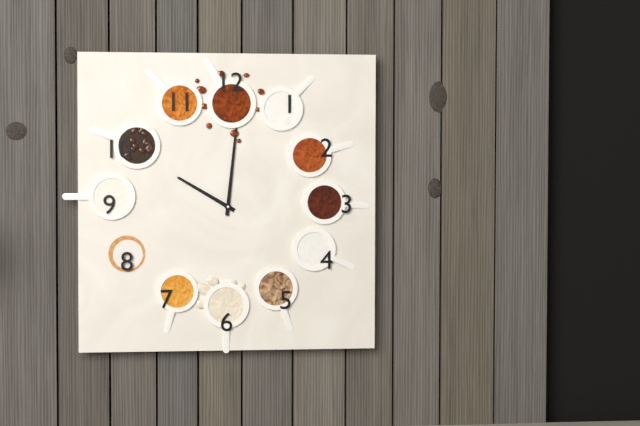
10:01
